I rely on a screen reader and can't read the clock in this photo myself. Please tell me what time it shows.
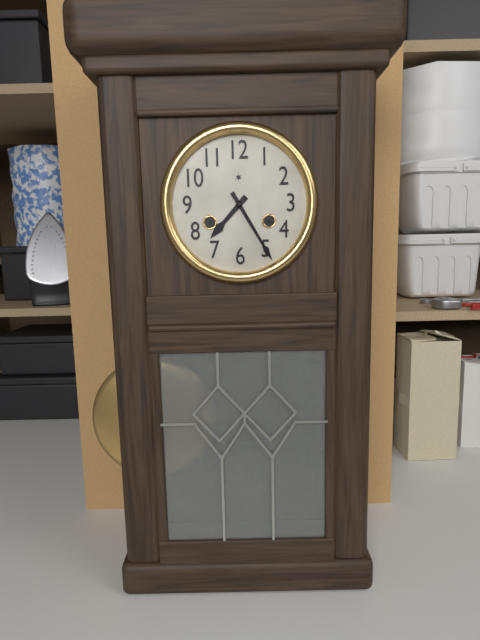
7:25
